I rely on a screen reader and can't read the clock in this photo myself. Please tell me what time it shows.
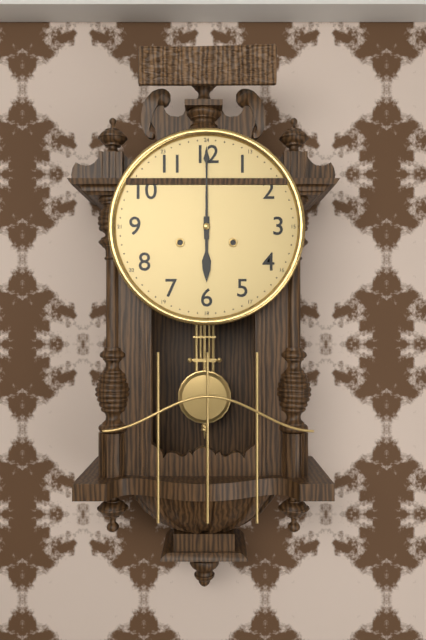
6:00
